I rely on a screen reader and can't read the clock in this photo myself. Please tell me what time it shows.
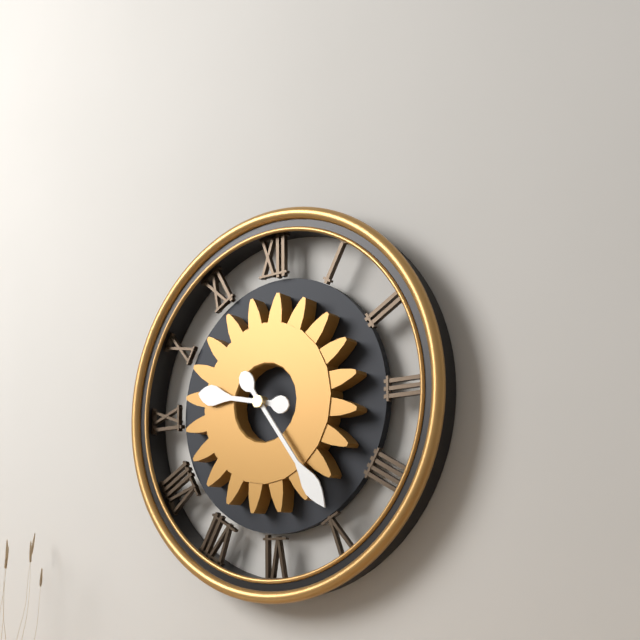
9:24
